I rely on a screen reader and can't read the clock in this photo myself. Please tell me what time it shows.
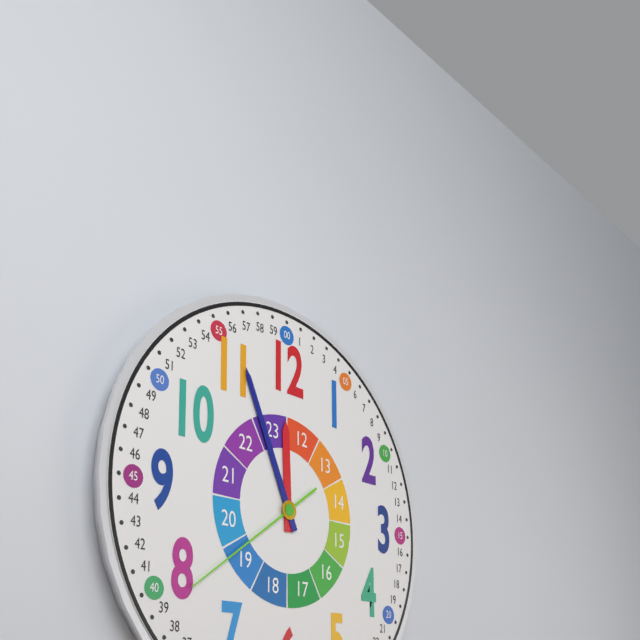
11:56:39
